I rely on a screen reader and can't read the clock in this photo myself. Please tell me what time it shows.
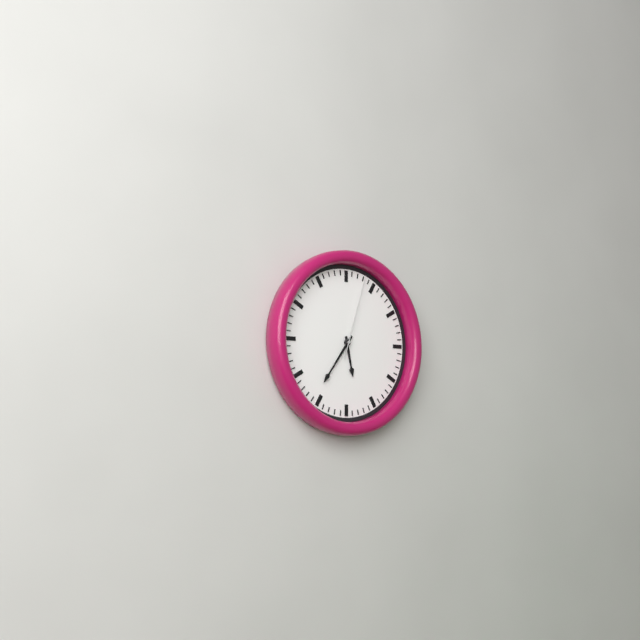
5:36:03
